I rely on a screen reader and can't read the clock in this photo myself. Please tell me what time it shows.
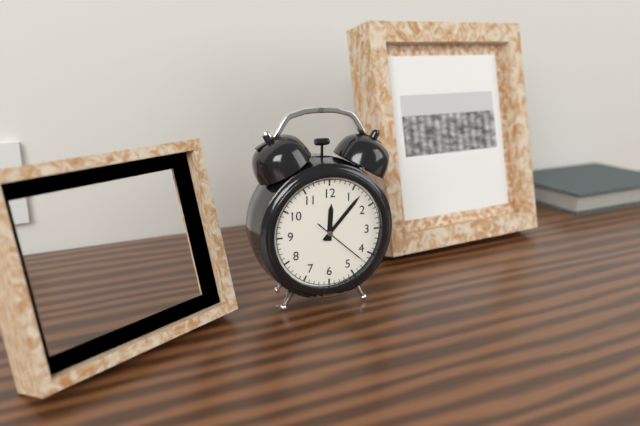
12:07:22
